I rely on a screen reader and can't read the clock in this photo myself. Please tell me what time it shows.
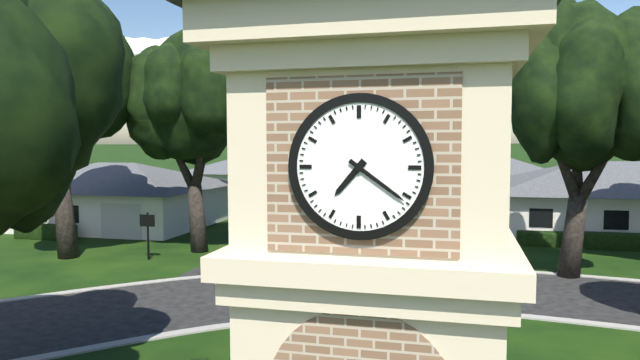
7:21
